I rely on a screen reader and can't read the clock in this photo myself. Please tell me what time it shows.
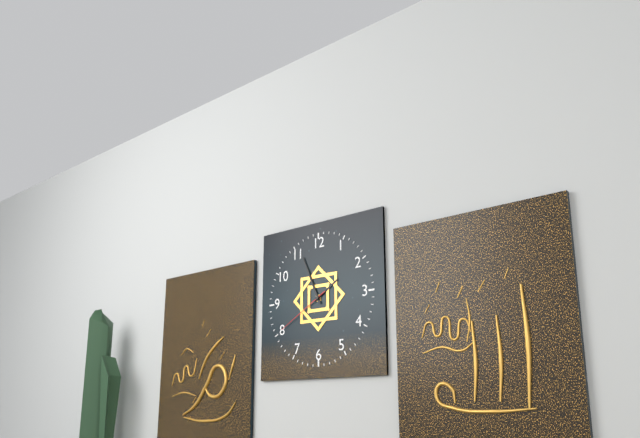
1:56:40
